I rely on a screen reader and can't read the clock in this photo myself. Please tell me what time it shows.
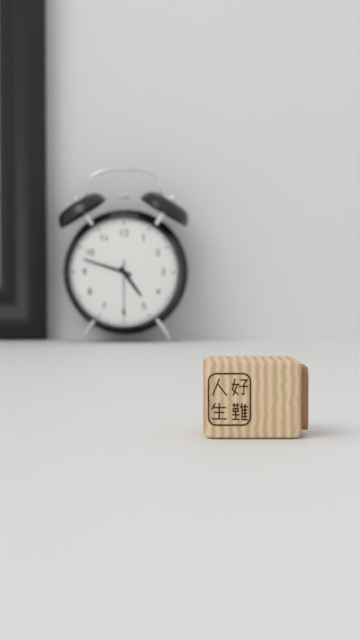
4:48:30
